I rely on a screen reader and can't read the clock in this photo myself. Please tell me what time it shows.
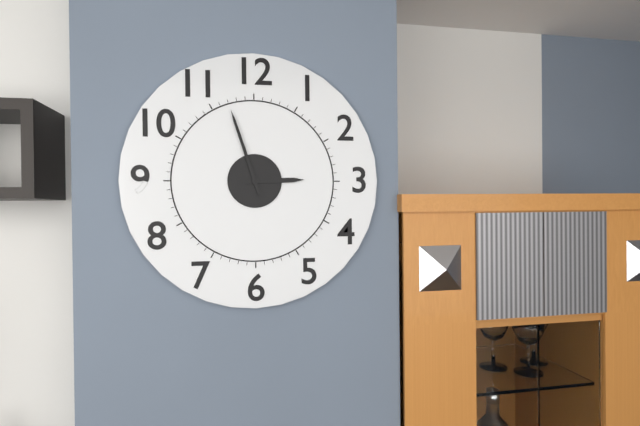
2:57
